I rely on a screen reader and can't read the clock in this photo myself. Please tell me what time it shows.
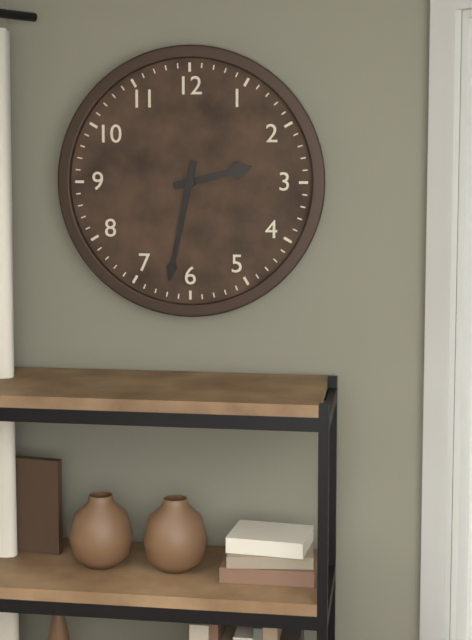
2:32
